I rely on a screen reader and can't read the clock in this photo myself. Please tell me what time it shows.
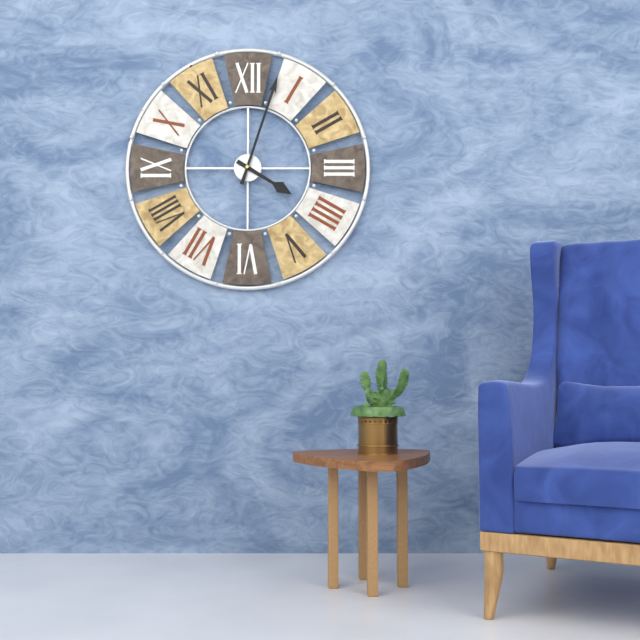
4:03
